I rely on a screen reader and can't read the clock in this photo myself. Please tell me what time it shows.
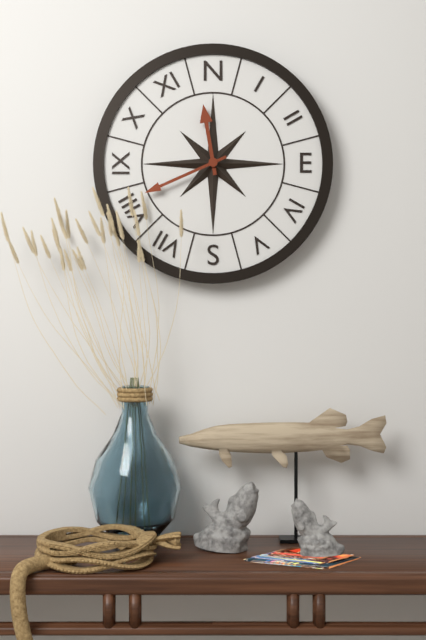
11:41
